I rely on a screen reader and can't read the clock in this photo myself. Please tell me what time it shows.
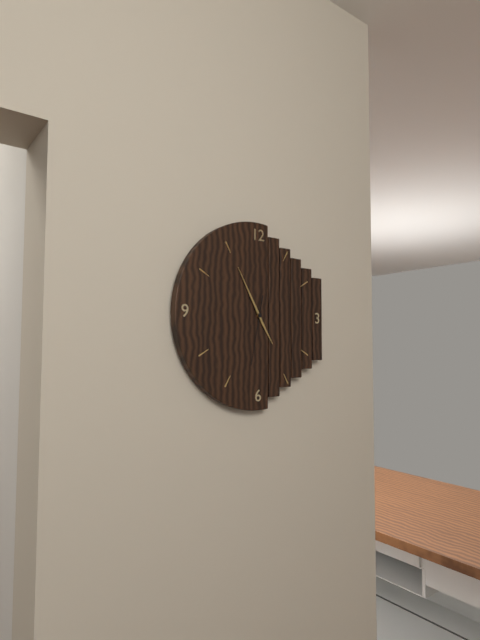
4:55:32
